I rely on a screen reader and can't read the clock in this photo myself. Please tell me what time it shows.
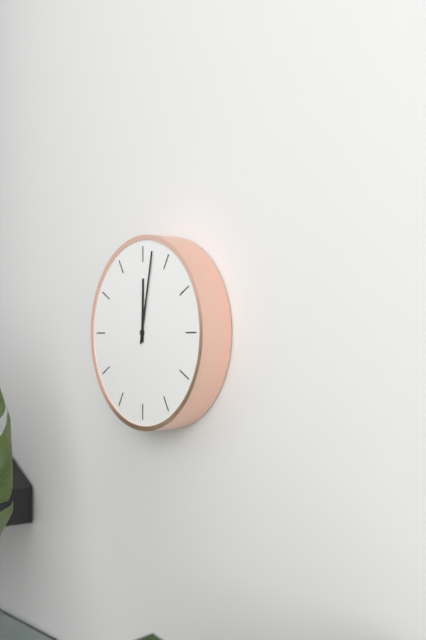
12:02
